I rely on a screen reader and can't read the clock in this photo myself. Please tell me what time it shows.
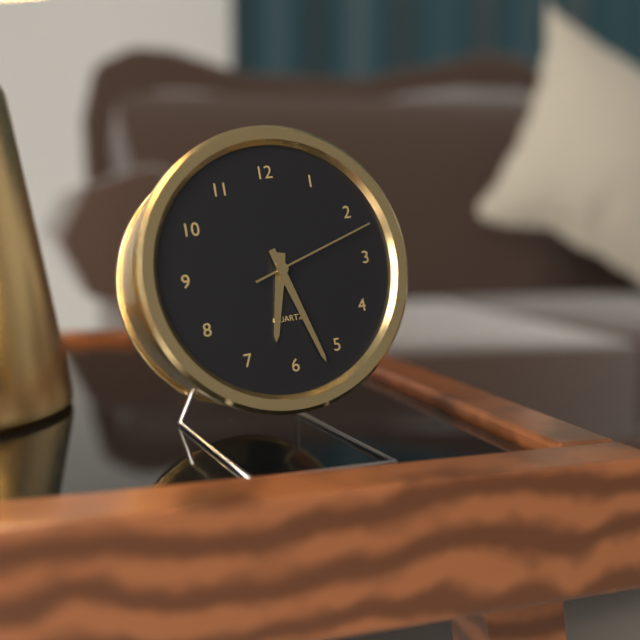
6:27:12
